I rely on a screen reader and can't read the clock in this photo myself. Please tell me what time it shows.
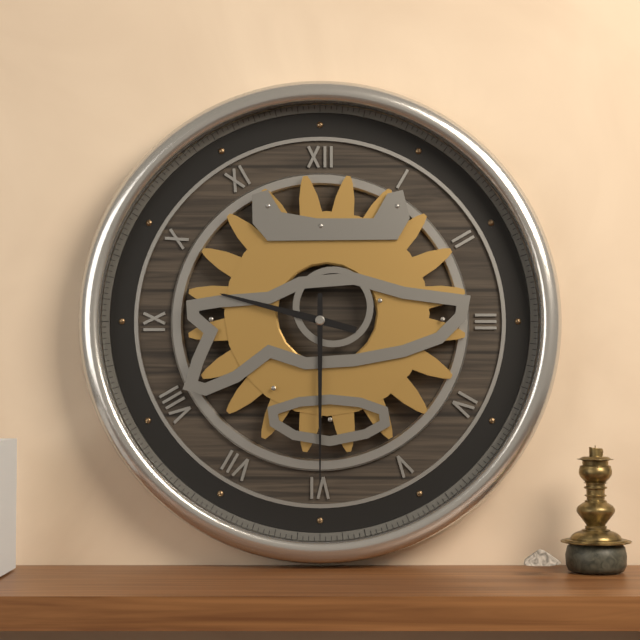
9:30
